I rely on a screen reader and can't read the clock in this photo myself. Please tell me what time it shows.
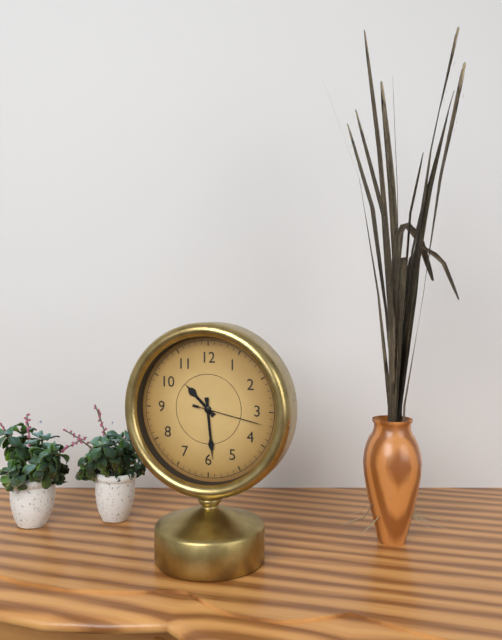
10:29:17
